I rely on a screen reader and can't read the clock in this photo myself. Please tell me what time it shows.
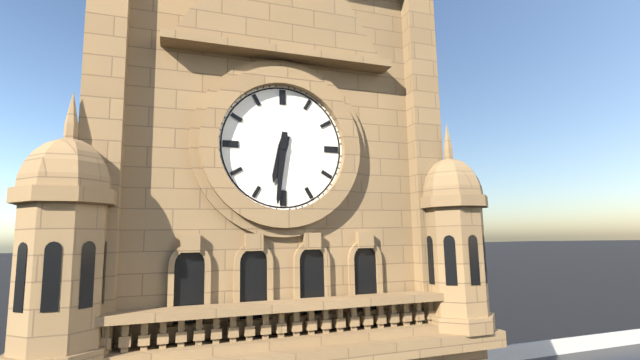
6:31
